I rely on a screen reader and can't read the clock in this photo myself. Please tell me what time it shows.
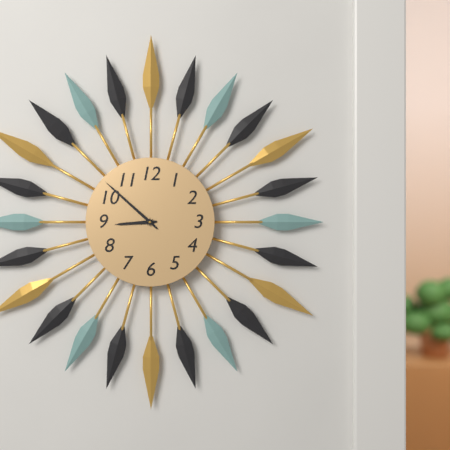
8:52
